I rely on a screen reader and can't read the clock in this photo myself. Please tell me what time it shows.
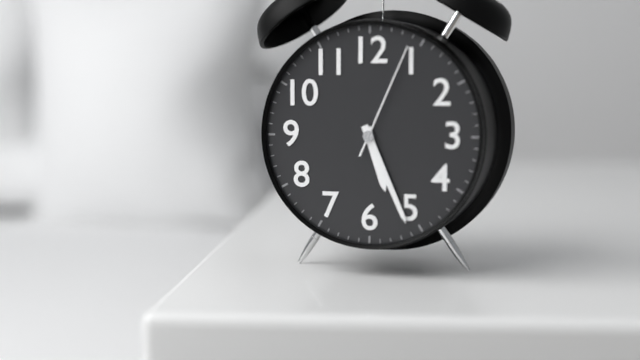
5:26:04
